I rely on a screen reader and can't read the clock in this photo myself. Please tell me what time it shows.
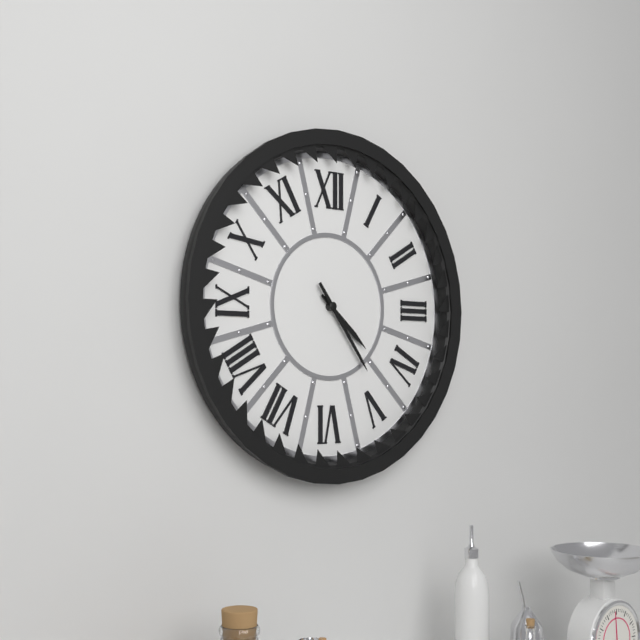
4:24
